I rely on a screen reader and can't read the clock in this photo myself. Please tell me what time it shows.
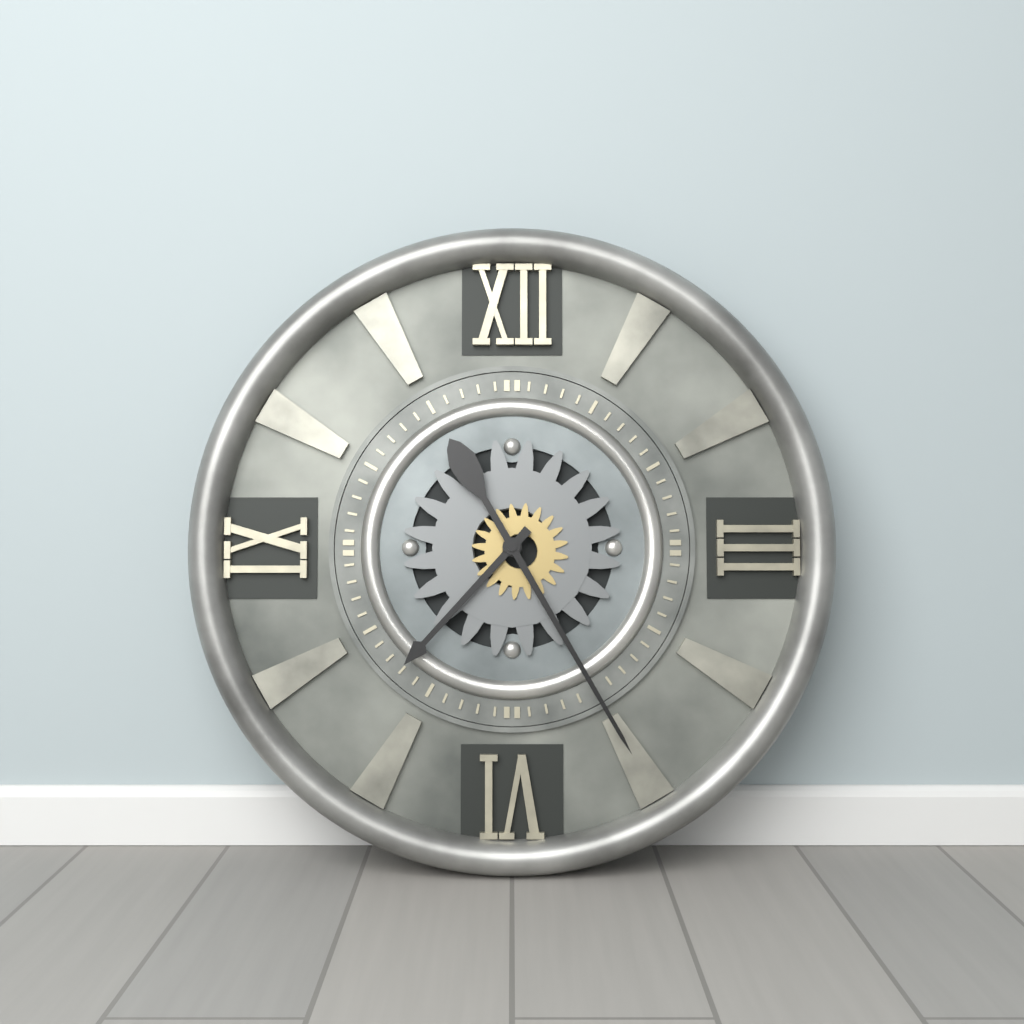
7:25
